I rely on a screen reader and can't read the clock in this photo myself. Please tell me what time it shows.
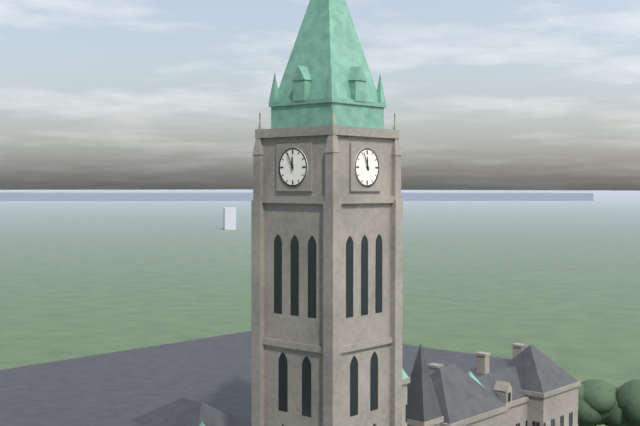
11:56
